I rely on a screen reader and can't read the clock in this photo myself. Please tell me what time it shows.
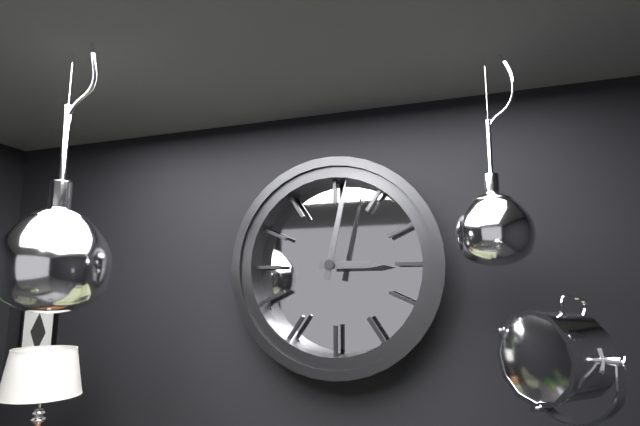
3:02
